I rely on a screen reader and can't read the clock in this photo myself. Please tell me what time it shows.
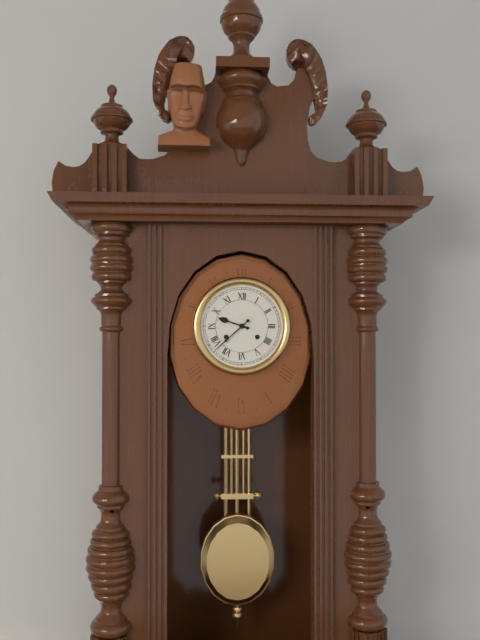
9:38
